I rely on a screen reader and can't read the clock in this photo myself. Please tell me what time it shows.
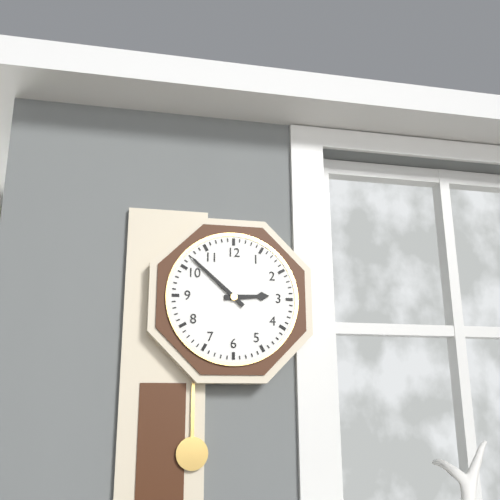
2:52
